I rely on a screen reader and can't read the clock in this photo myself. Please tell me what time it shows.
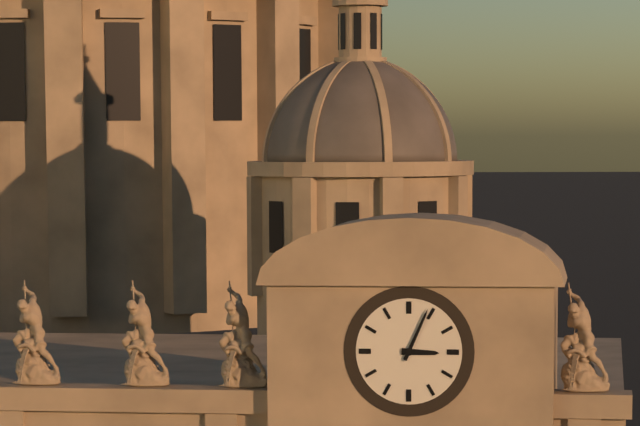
3:04
